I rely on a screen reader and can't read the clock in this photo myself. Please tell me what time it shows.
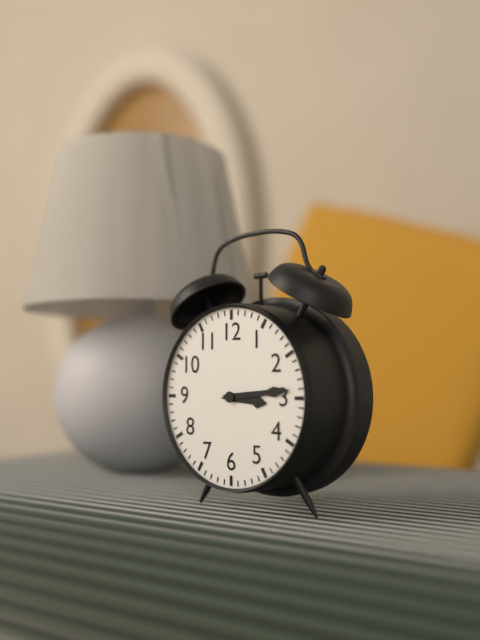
3:14
